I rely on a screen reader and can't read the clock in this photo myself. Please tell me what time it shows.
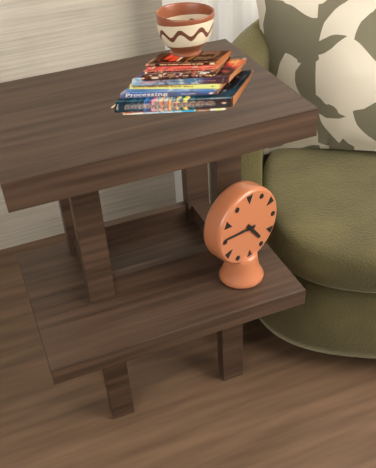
4:46
